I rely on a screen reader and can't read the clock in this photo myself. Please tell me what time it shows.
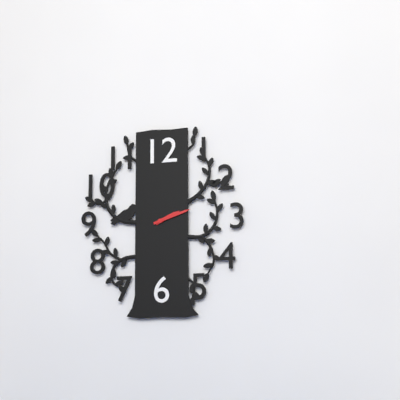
2:12
